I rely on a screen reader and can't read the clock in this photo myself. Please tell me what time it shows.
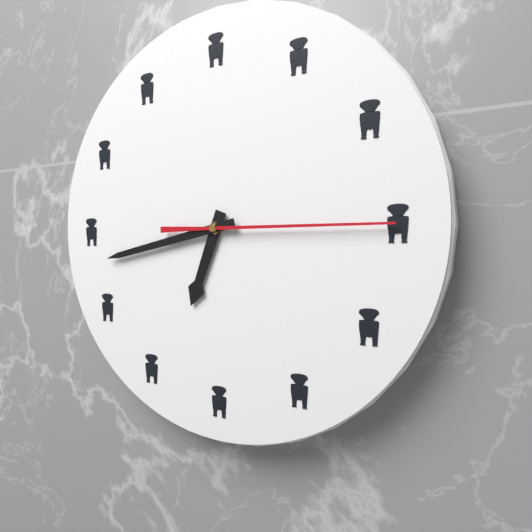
6:43:15
